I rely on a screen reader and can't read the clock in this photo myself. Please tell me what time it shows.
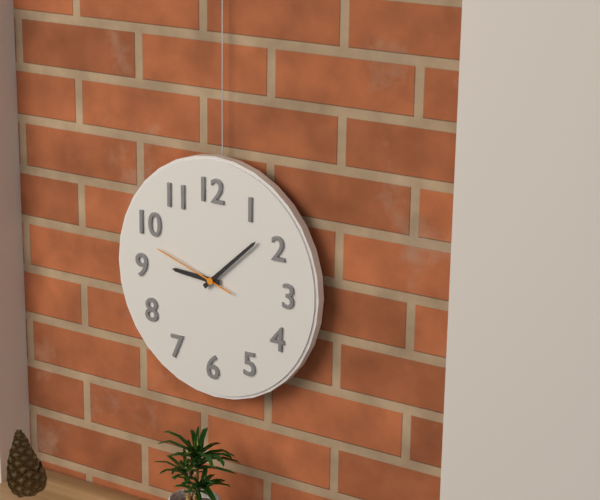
9:08:48
